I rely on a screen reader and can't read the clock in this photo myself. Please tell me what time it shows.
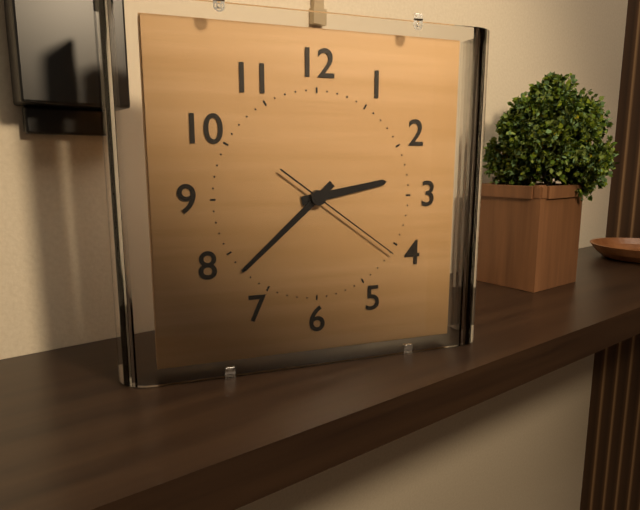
2:38:21
